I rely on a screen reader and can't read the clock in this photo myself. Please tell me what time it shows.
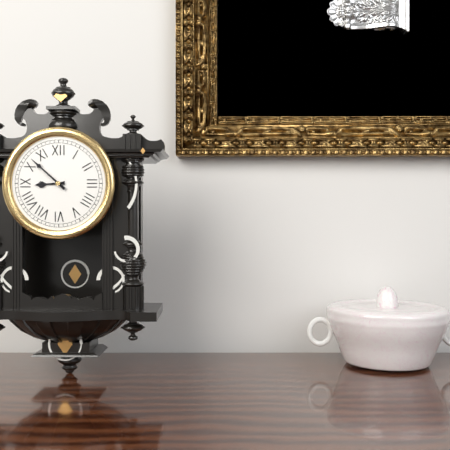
8:52
